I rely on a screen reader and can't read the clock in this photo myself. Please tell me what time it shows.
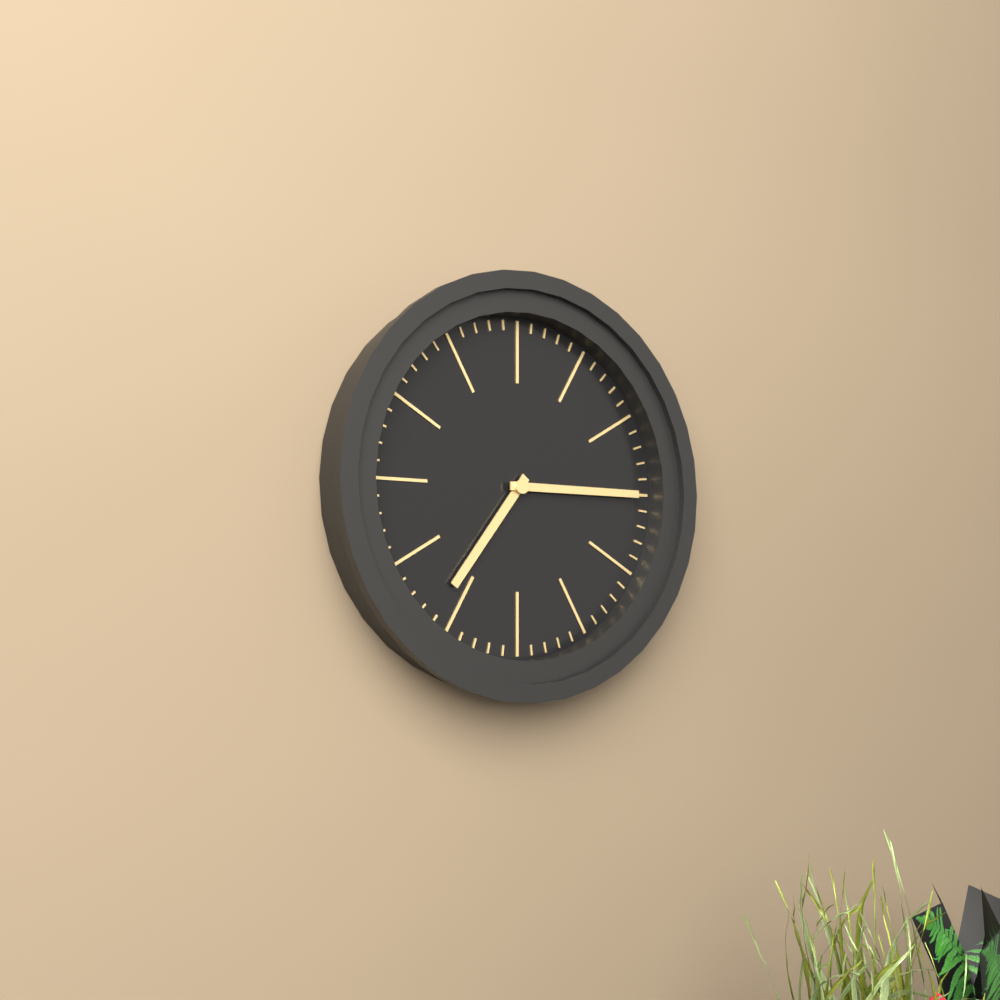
7:15
